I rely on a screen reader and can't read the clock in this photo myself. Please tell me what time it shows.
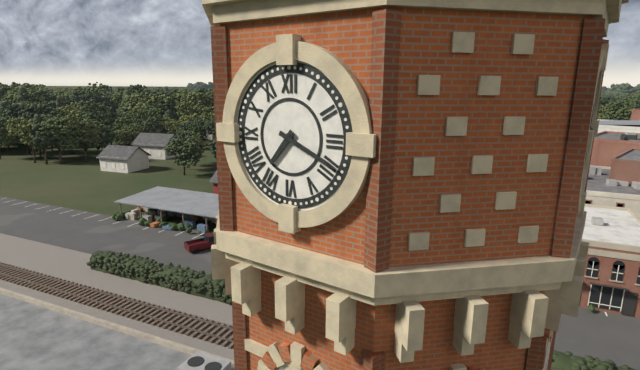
7:19
